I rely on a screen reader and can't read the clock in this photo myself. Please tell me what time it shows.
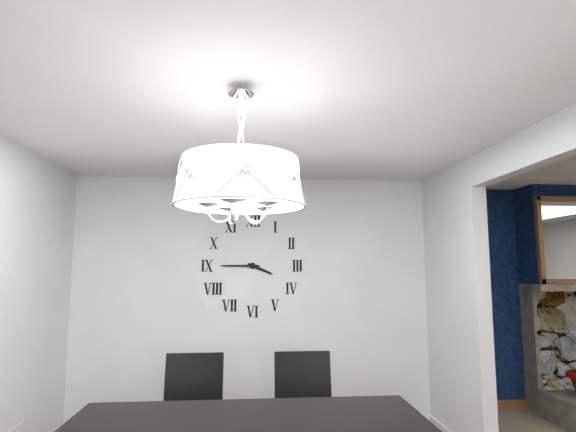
3:45
